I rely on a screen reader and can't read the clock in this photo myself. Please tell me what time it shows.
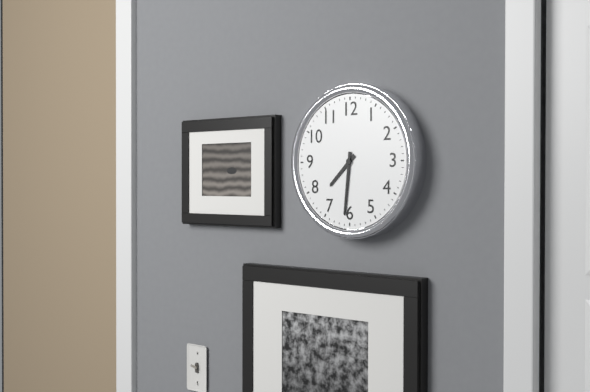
7:31
